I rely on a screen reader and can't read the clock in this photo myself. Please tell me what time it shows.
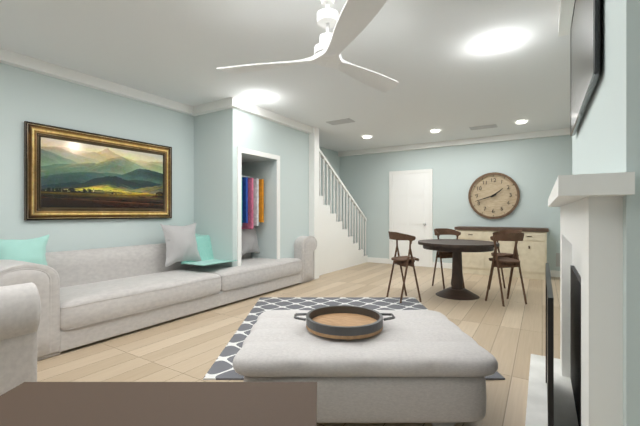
1:42
